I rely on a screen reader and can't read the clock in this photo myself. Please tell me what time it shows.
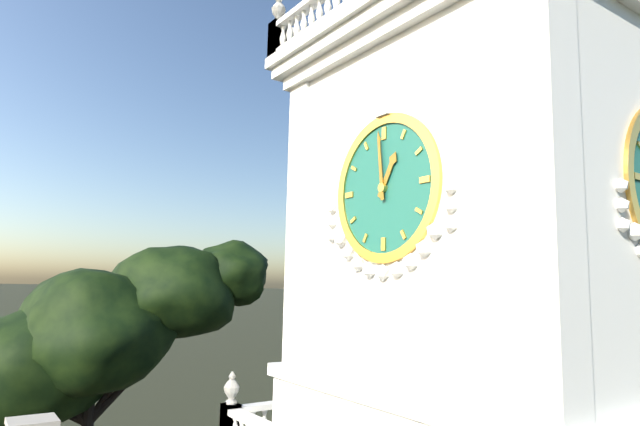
12:59
